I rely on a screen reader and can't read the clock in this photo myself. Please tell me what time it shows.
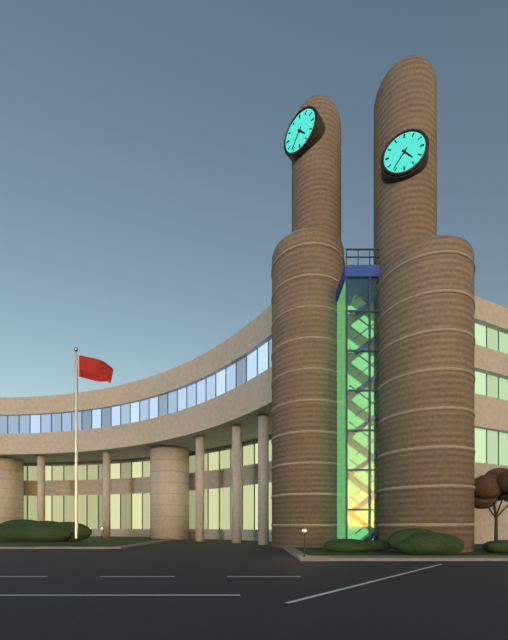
4:36
